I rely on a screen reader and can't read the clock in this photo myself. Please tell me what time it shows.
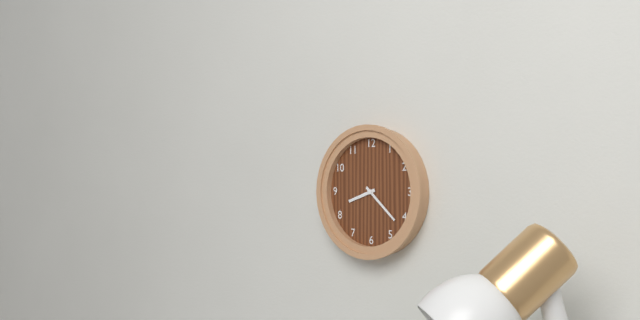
8:22
